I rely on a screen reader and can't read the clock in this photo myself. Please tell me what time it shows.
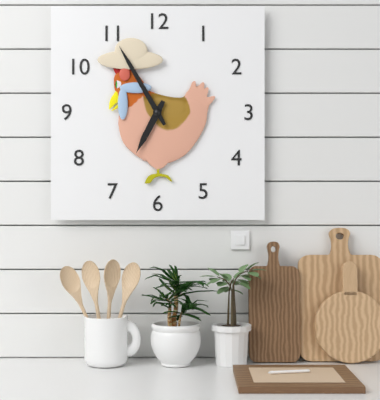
6:55
